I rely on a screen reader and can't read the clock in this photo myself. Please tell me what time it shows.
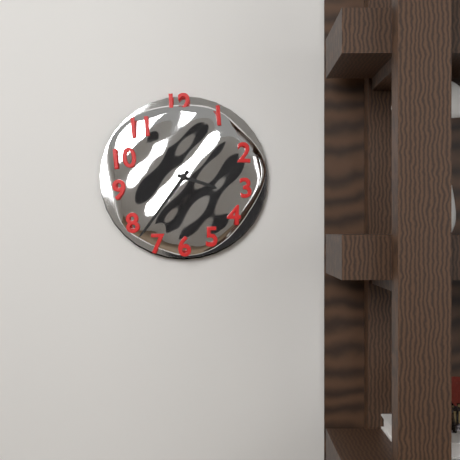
3:36
